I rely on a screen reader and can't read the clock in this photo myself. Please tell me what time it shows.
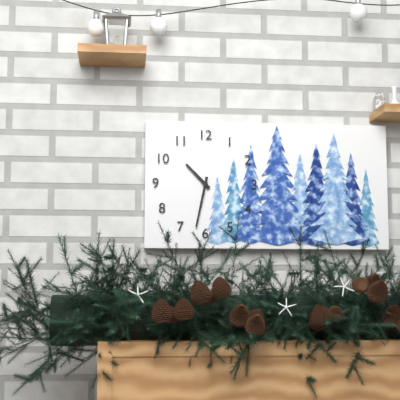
10:32
